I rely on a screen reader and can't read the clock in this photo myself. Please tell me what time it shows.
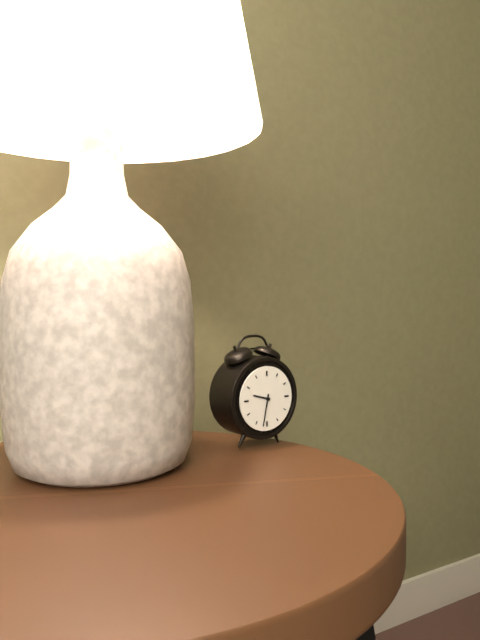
9:32
